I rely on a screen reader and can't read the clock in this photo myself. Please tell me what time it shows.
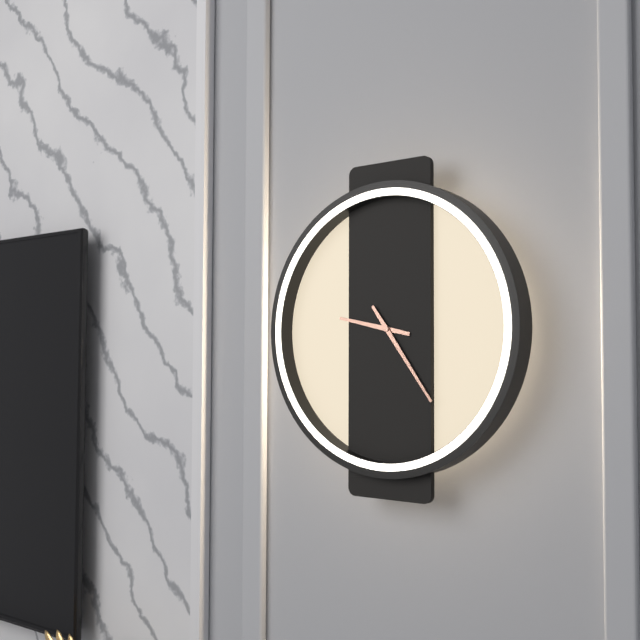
9:24
